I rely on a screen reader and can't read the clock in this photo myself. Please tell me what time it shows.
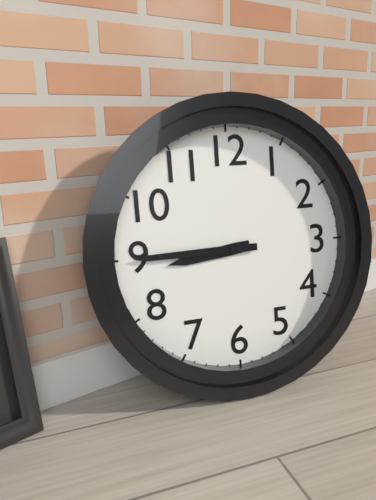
8:45
